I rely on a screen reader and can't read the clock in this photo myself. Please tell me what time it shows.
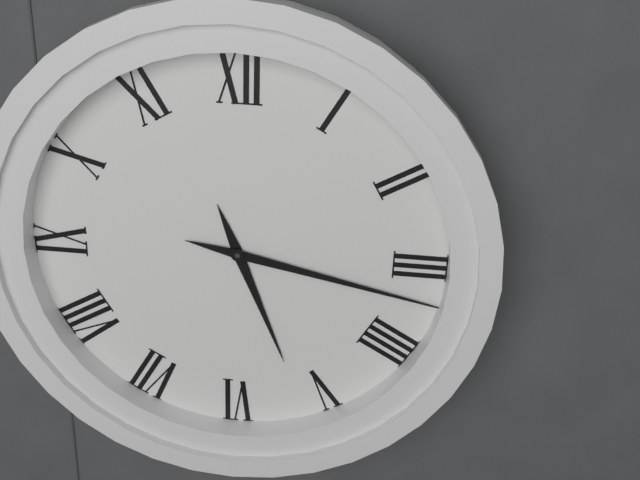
5:17
